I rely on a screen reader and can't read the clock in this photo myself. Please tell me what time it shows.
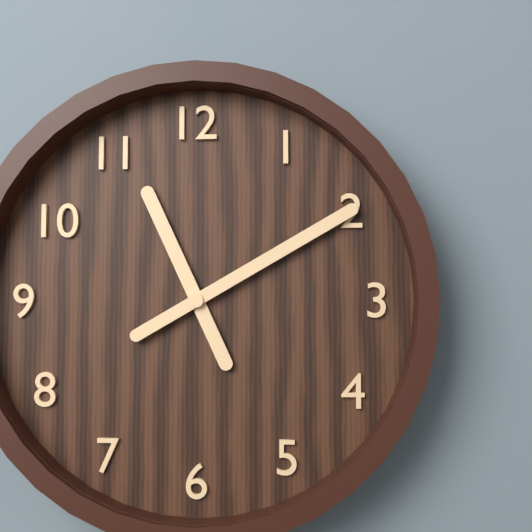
11:10
